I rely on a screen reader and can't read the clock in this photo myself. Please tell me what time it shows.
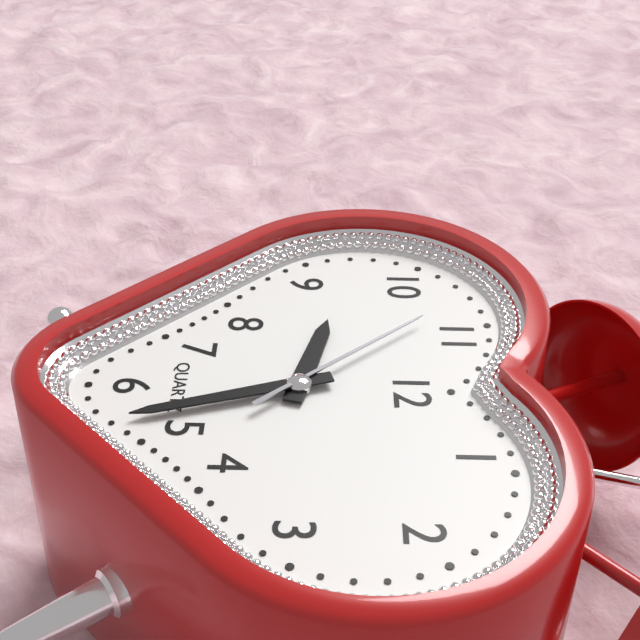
9:27:53
